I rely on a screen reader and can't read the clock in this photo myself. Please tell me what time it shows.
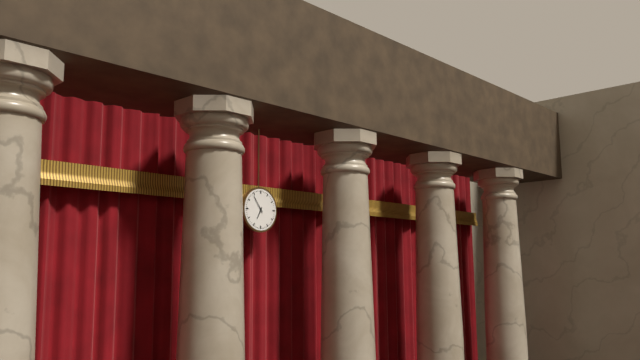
6:54
